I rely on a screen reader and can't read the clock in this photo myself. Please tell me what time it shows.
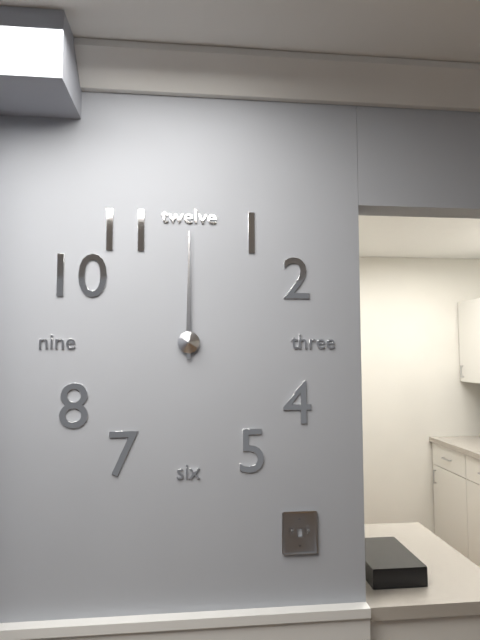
12:00
